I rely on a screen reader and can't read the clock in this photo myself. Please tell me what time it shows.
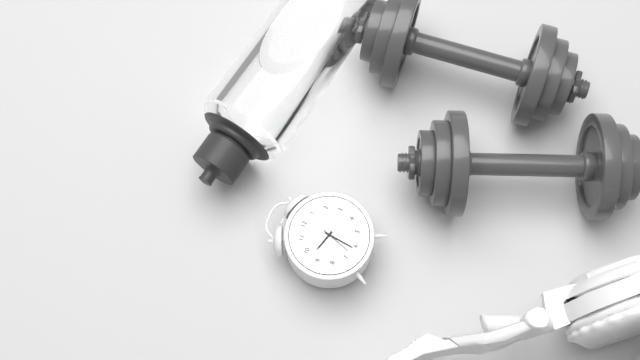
9:31
